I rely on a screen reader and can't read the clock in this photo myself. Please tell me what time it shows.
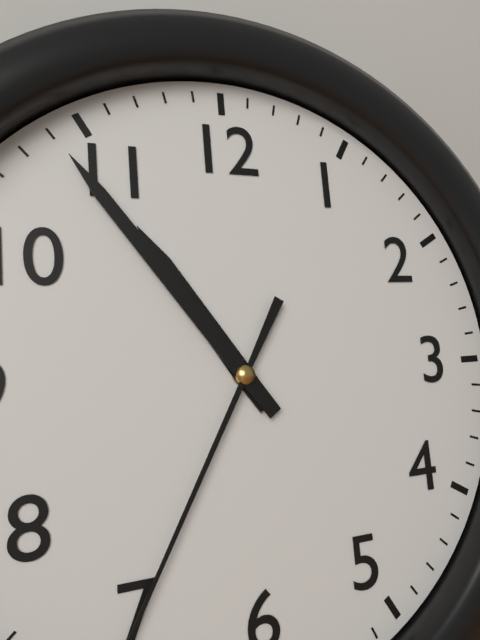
10:54
